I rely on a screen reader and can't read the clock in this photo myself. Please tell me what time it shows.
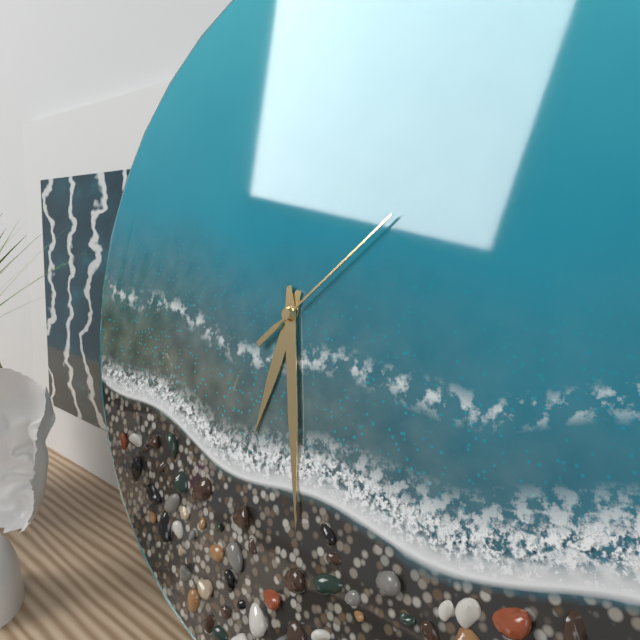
6:28:08
